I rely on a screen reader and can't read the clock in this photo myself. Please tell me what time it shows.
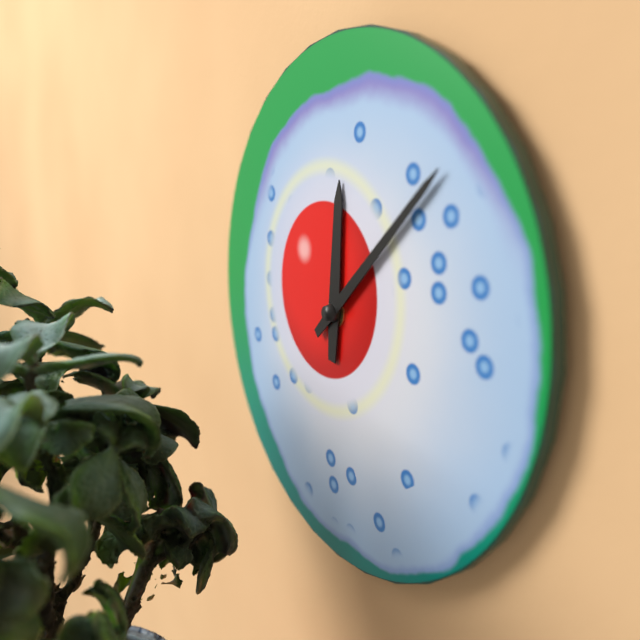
12:08
